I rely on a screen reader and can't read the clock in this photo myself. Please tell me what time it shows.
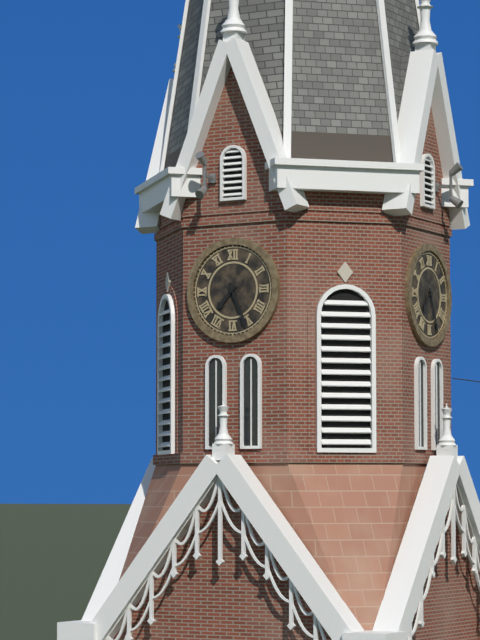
7:26
